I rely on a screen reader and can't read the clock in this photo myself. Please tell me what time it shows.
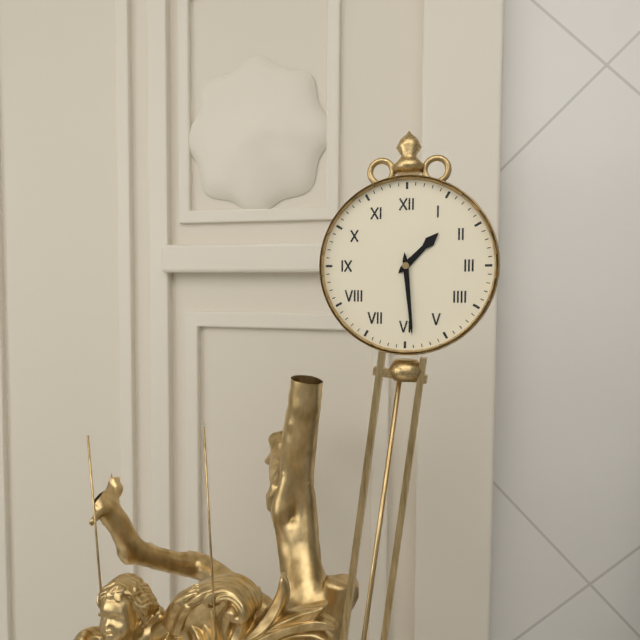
1:29
